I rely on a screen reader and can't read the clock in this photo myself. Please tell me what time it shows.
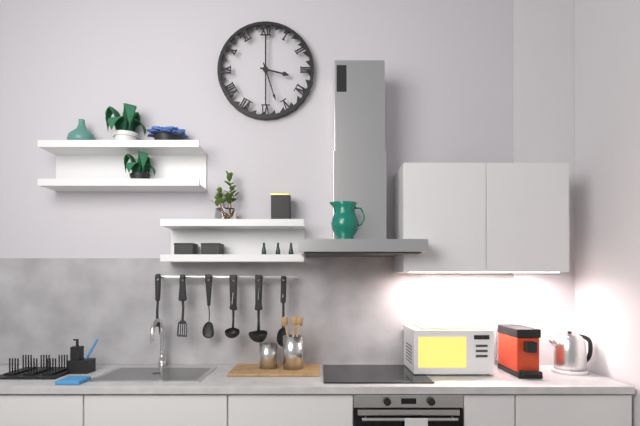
3:27
